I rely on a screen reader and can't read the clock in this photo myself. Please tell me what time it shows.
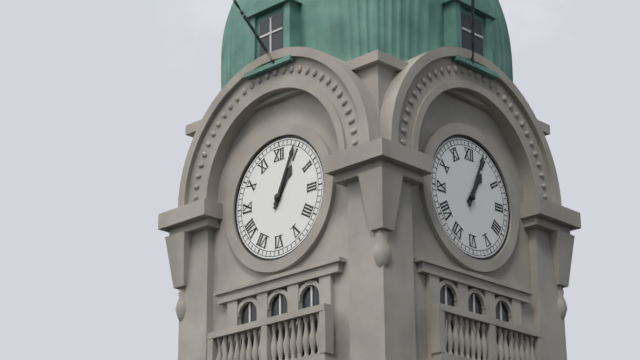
1:04
